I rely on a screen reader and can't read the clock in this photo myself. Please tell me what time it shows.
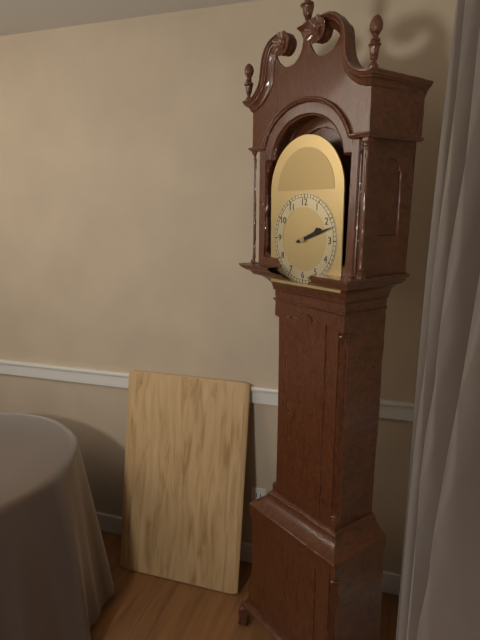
2:12
